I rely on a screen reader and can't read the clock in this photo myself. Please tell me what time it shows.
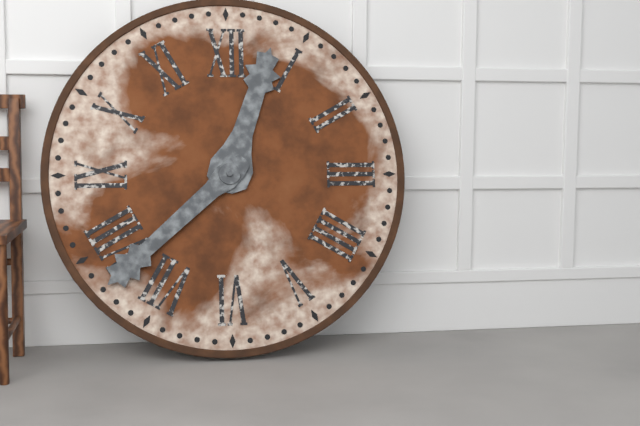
12:38
